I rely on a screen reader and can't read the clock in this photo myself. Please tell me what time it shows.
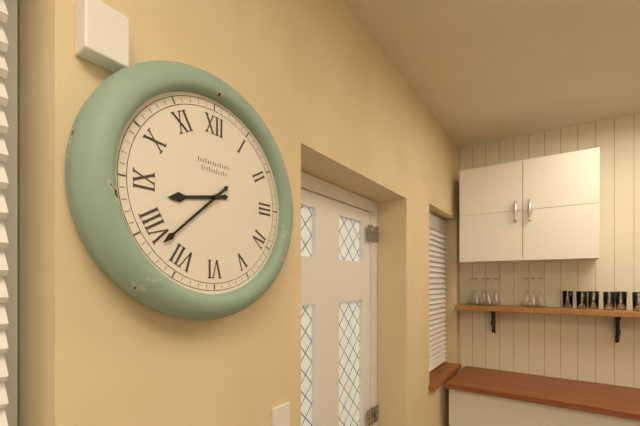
8:38
